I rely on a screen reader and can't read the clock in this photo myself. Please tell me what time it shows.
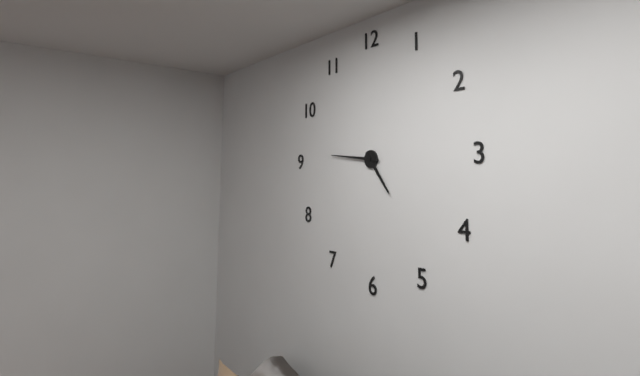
4:46
